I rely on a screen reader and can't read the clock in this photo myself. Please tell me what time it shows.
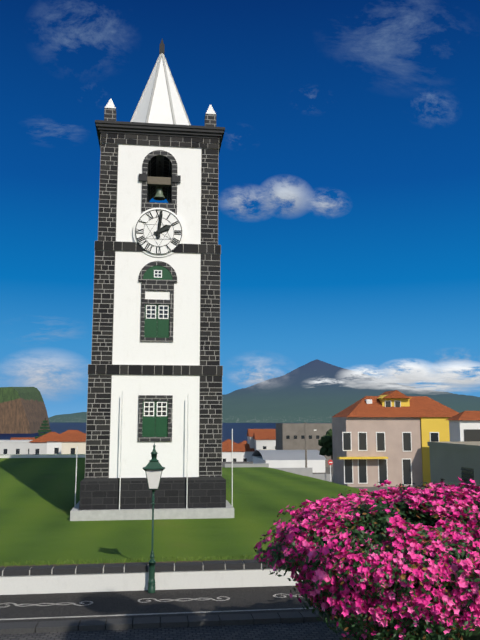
2:01
